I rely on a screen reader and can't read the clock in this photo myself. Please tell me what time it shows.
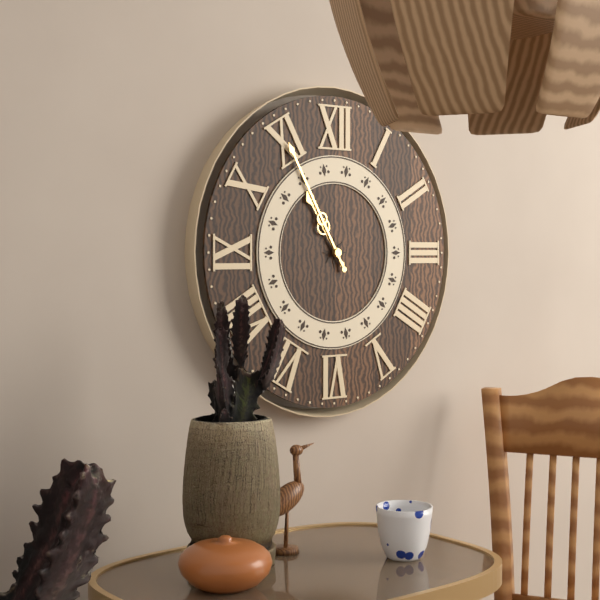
10:55
